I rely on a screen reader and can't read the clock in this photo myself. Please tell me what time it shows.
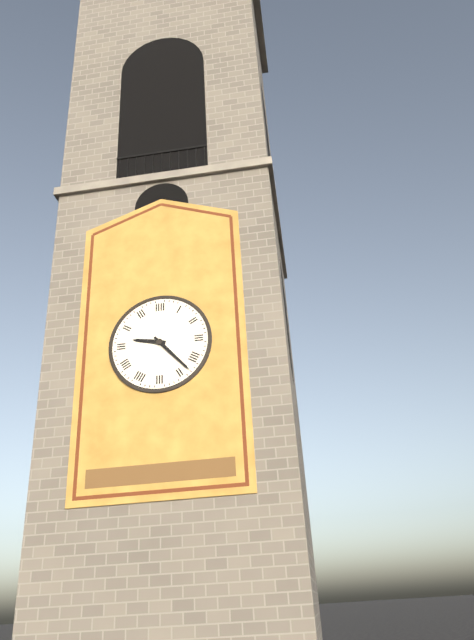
9:23
